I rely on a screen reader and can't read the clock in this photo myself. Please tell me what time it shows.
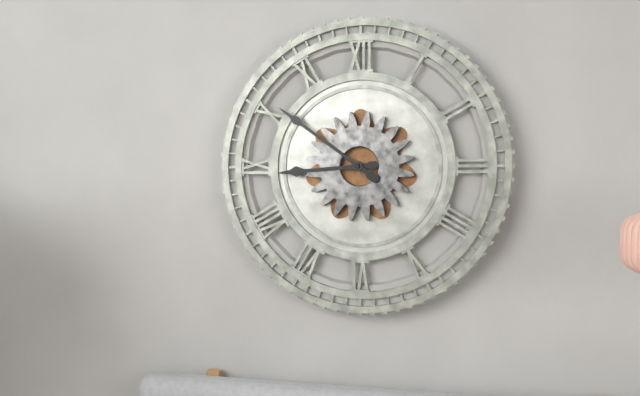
8:51
